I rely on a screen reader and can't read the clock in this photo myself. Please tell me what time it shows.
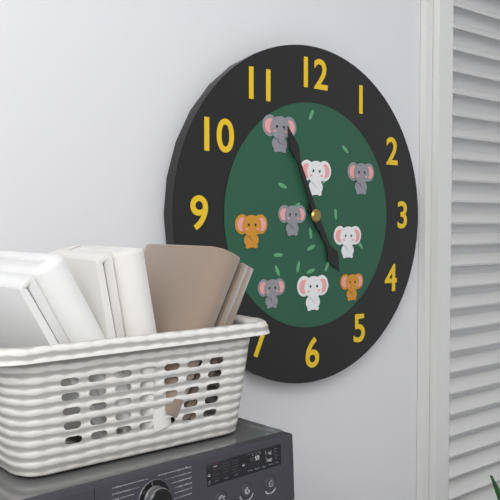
4:56
